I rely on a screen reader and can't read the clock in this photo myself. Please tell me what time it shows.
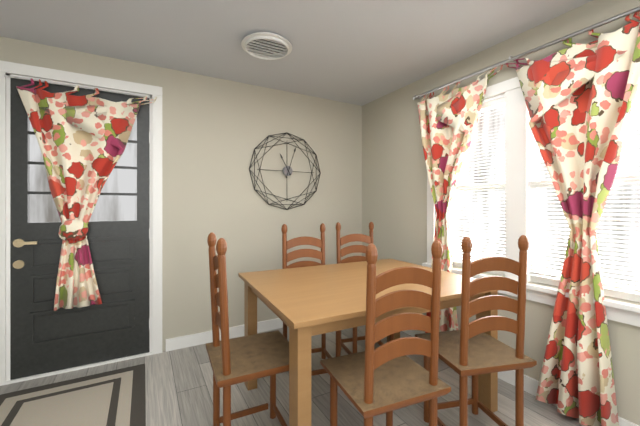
11:03
